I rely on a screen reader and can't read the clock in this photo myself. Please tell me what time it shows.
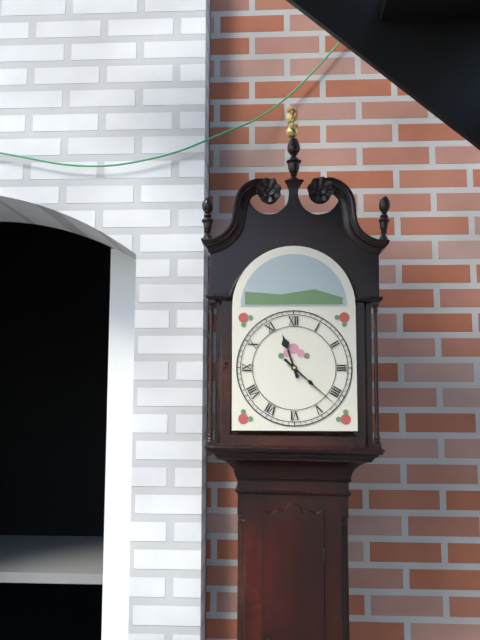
11:22
